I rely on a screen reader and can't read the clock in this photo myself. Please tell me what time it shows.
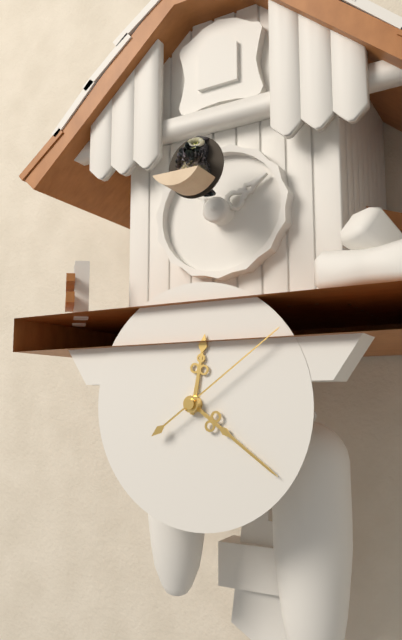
12:21:09
